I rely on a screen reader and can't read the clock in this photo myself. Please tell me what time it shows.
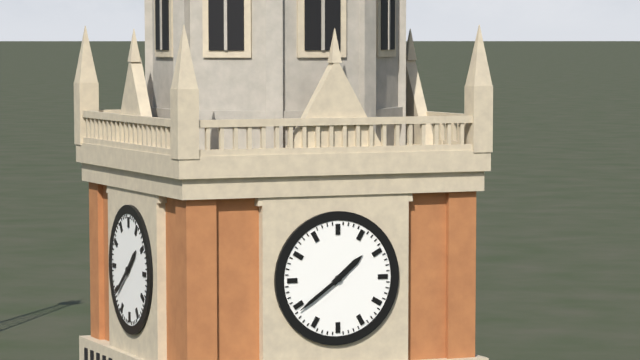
1:39
